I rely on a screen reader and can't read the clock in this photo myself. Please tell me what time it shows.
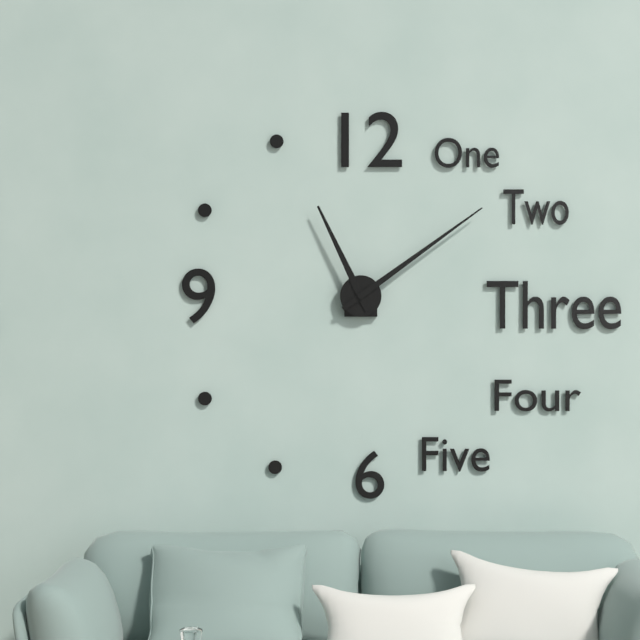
11:09
